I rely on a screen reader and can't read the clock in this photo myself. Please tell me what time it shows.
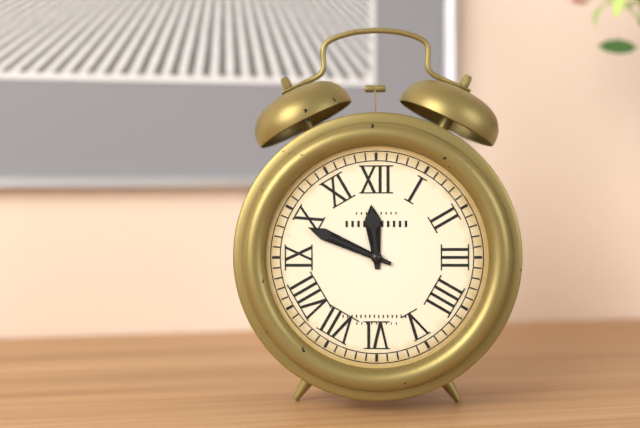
11:49
